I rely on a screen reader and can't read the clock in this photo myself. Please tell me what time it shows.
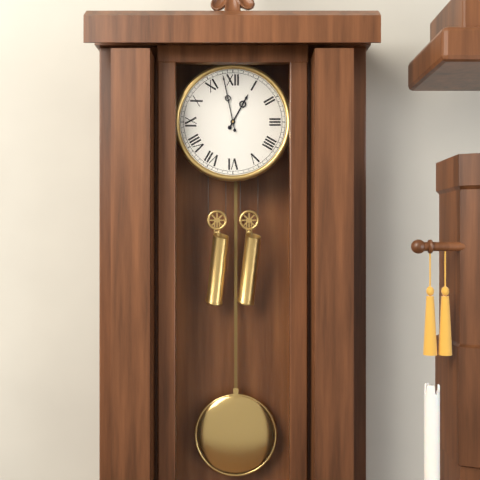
12:58
